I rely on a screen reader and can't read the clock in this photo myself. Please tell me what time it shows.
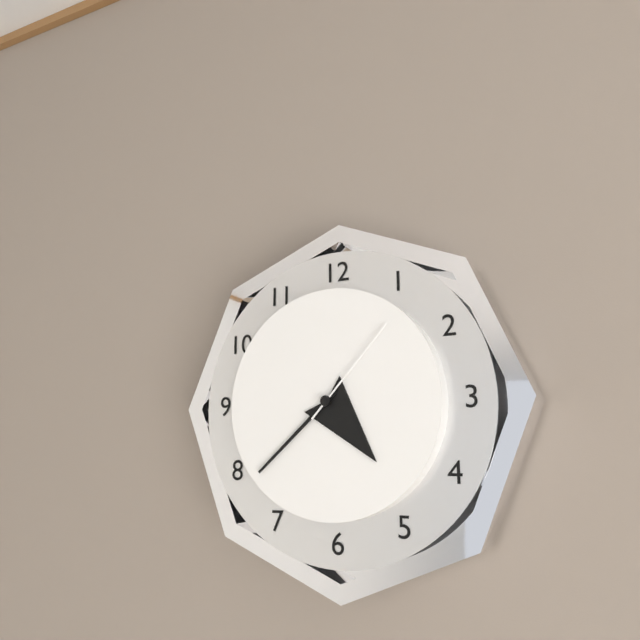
4:38:07
